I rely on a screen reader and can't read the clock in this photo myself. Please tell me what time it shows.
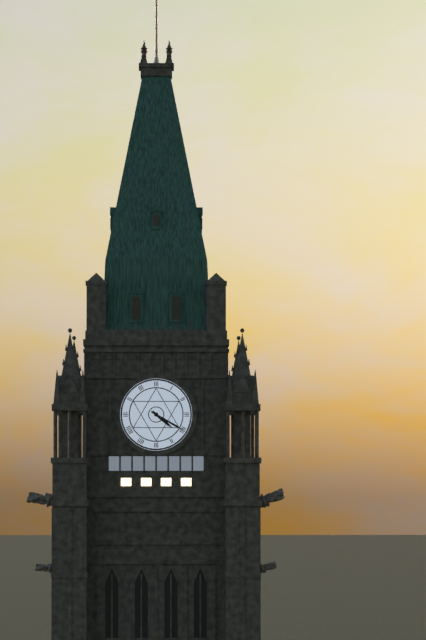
4:20
